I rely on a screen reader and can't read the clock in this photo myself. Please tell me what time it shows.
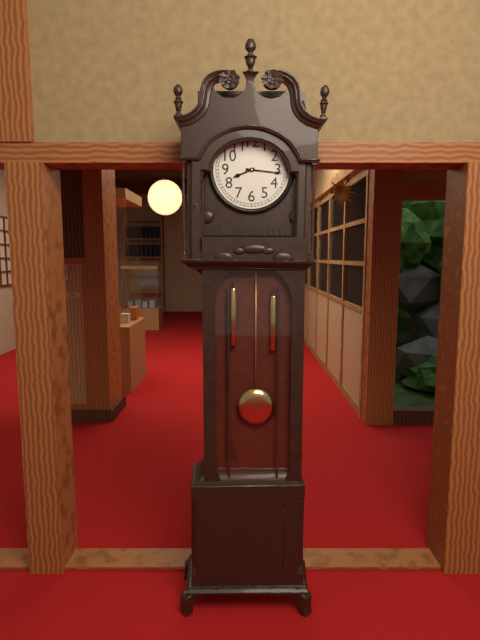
8:16
